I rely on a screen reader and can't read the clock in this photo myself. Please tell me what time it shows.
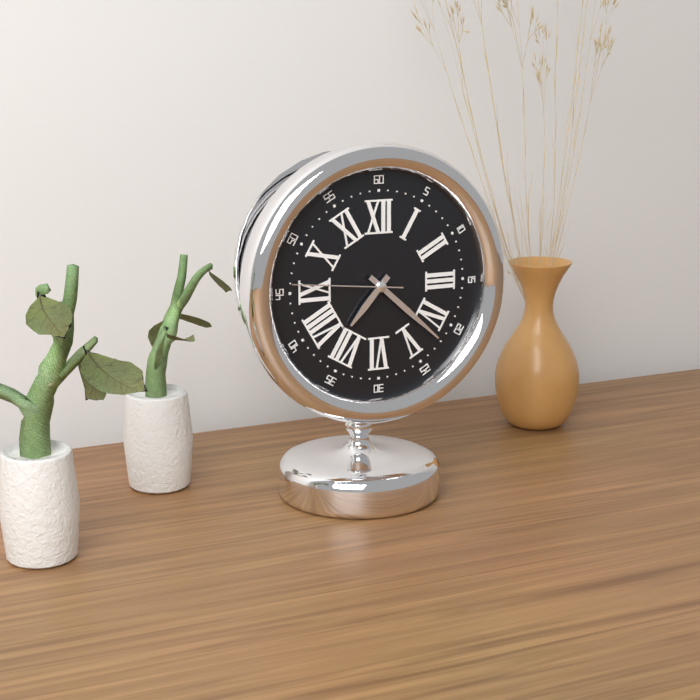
7:22:46
